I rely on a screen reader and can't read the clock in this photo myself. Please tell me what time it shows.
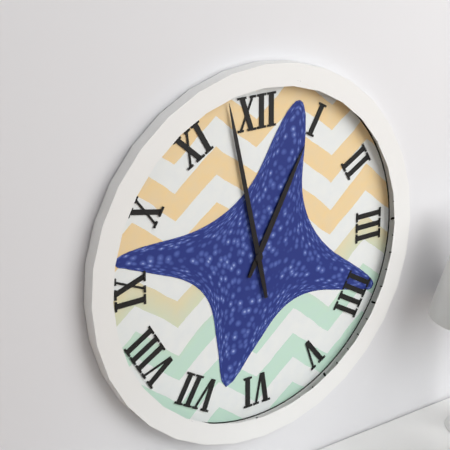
12:58
